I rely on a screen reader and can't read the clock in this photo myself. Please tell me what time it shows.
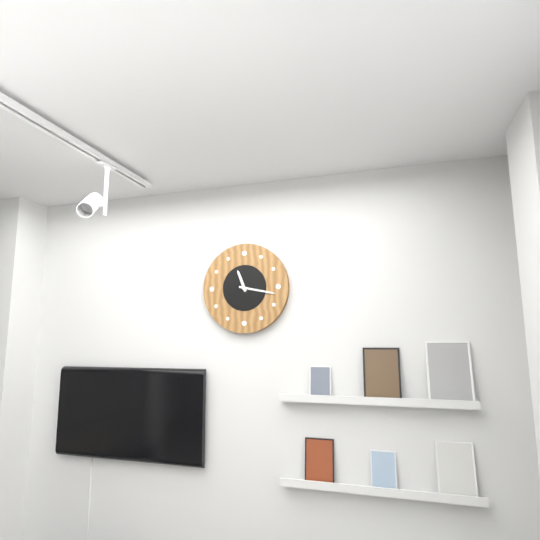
11:17
